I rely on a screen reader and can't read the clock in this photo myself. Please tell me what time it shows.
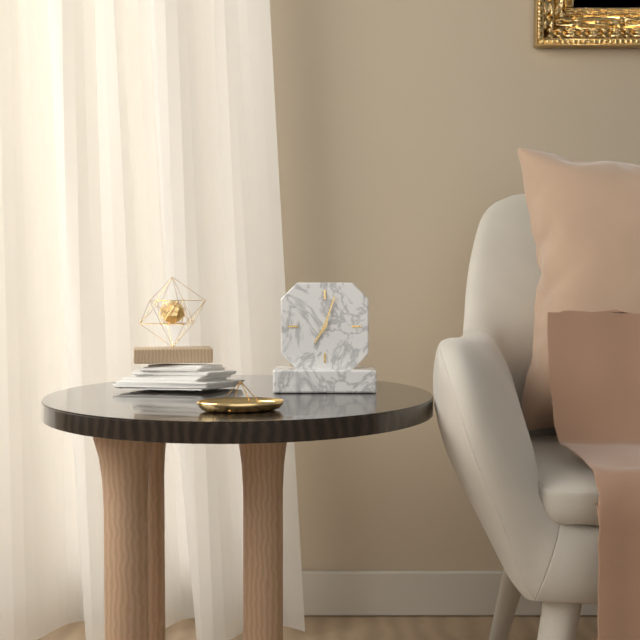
7:03
